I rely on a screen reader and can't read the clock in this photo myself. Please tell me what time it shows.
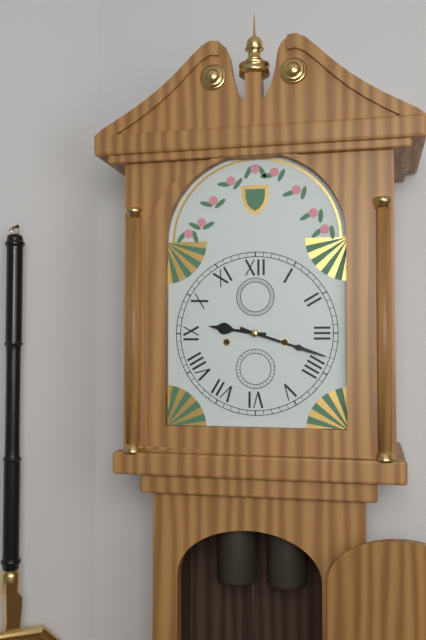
9:18
